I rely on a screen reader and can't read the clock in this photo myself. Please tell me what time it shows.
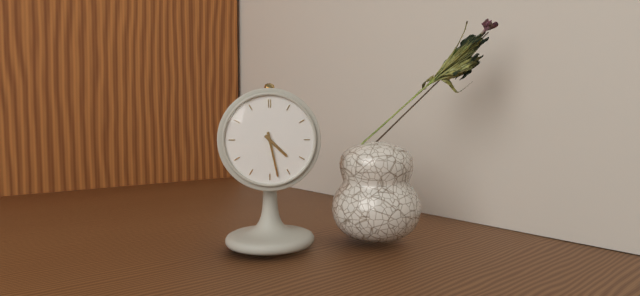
4:28
